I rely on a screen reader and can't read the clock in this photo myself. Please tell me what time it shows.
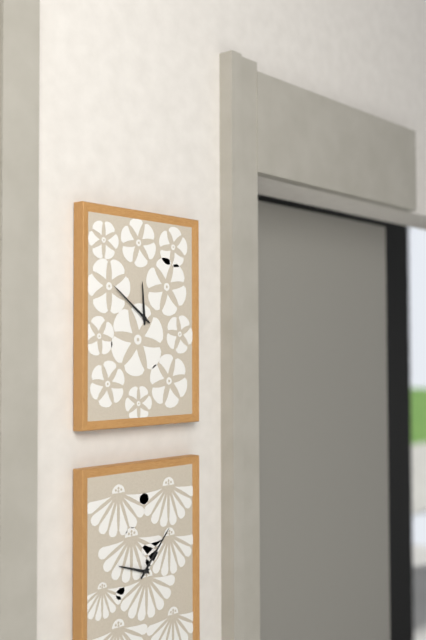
11:51
